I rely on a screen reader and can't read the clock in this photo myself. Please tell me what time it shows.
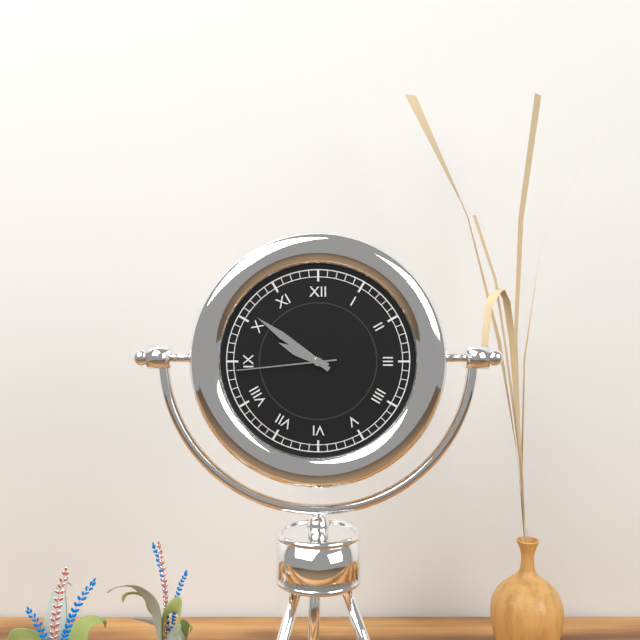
9:51:44
